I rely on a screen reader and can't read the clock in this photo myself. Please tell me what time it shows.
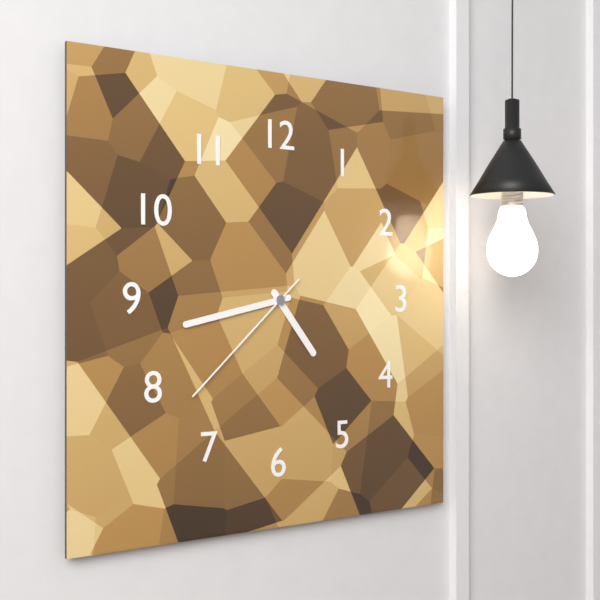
4:43:38
